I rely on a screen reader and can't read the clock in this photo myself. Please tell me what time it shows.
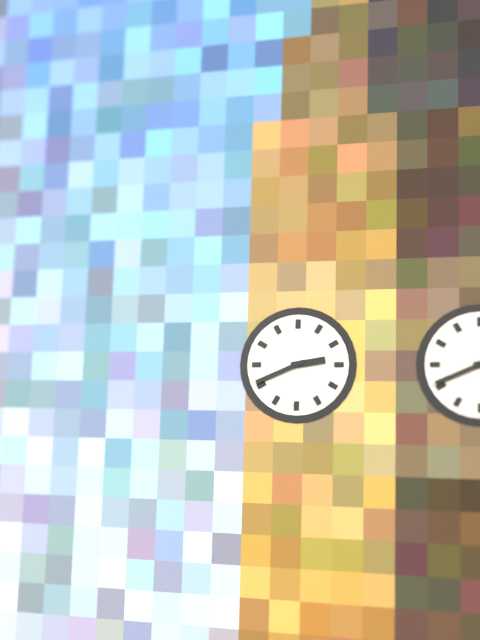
2:41
